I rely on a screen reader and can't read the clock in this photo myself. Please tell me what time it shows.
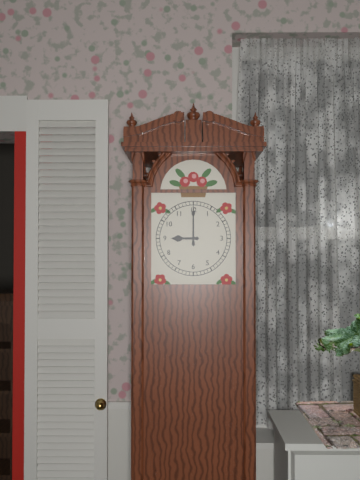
9:00
